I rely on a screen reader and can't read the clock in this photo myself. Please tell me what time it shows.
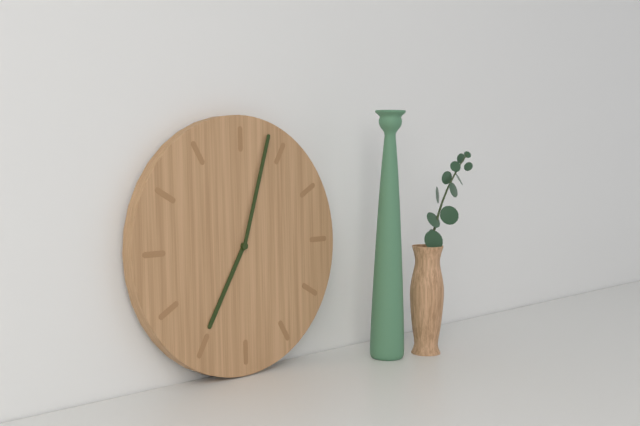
7:03
